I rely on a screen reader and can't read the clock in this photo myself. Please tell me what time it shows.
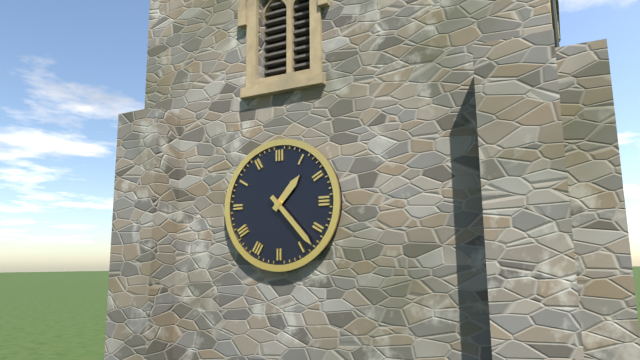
1:23
